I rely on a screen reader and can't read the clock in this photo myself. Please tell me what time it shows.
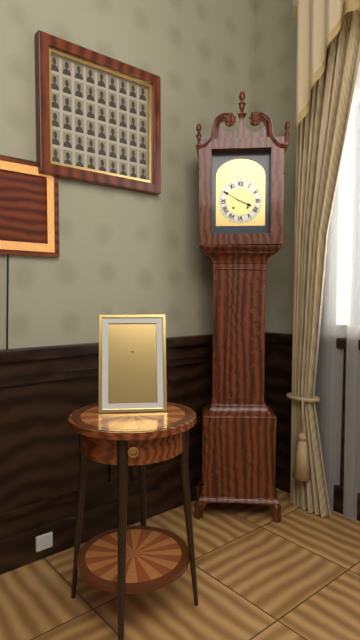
3:50
